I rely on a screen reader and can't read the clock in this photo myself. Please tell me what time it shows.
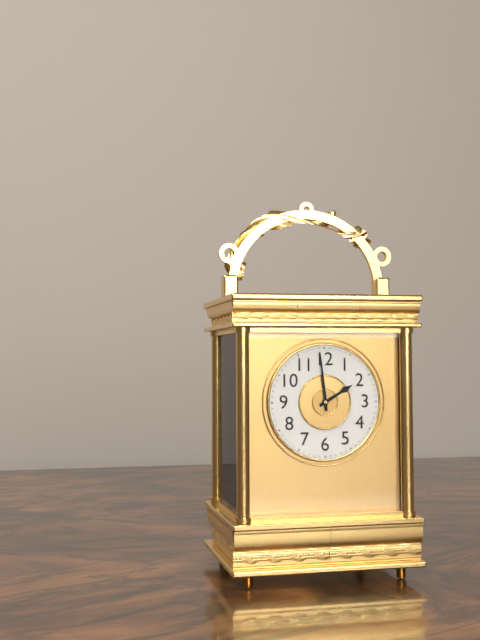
1:59
